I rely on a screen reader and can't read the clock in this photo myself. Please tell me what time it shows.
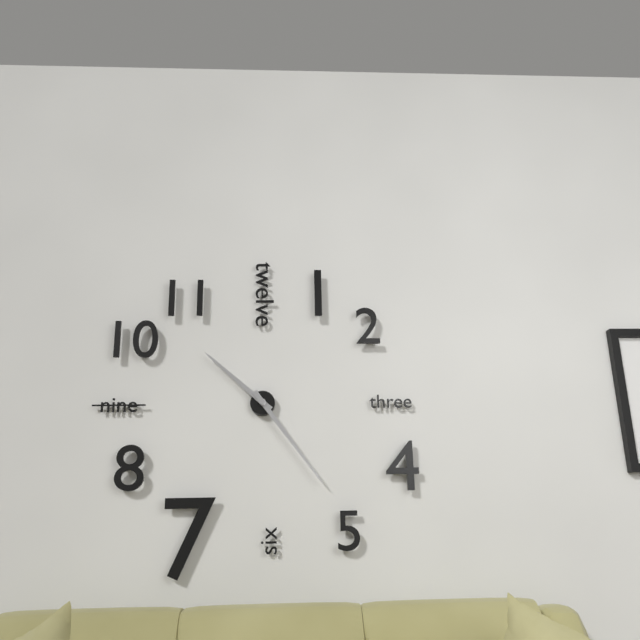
10:24
